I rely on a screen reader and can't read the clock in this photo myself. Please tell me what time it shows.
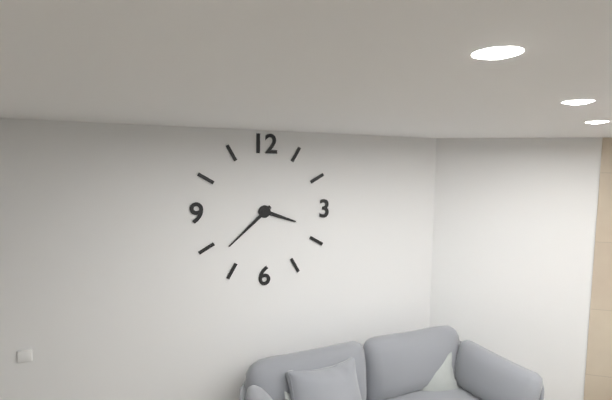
3:38
